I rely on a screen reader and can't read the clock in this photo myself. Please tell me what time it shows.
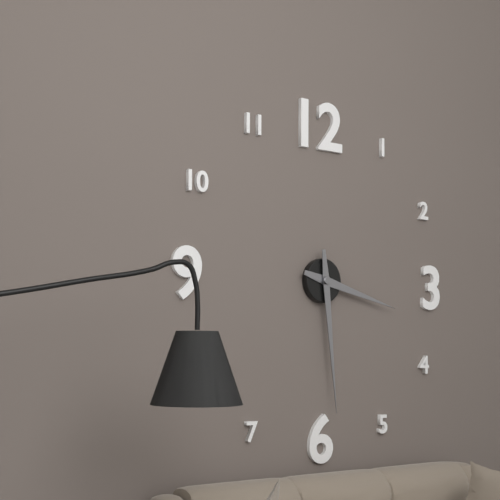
3:29
